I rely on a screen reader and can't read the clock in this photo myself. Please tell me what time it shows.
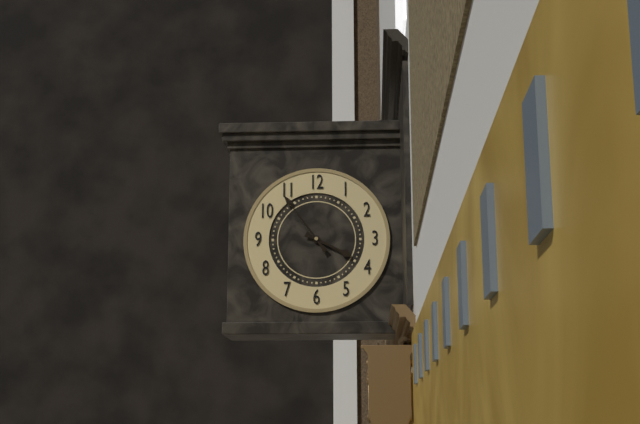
3:54
